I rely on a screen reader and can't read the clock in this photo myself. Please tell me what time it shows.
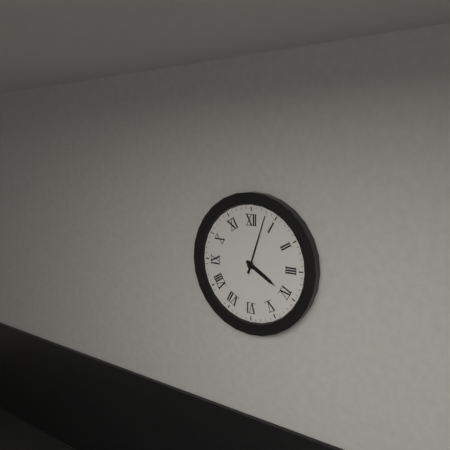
4:03
